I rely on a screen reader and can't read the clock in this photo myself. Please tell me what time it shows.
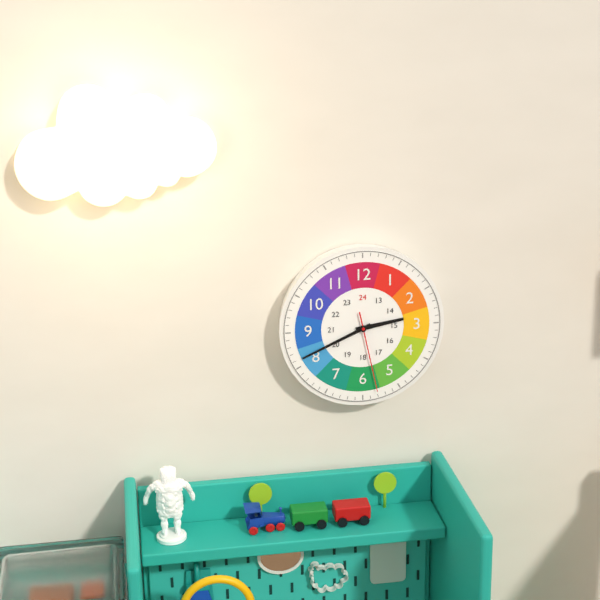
2:41:28
